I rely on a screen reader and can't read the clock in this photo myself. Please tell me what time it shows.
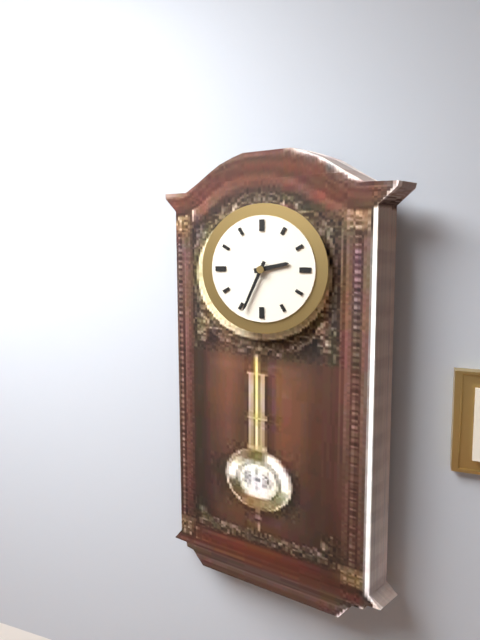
2:34
